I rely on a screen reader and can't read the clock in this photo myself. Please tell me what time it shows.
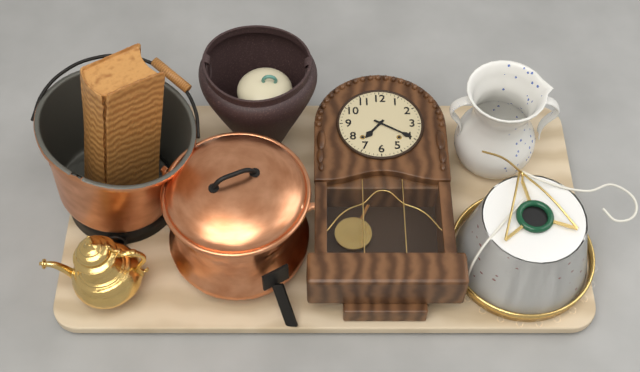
7:20
